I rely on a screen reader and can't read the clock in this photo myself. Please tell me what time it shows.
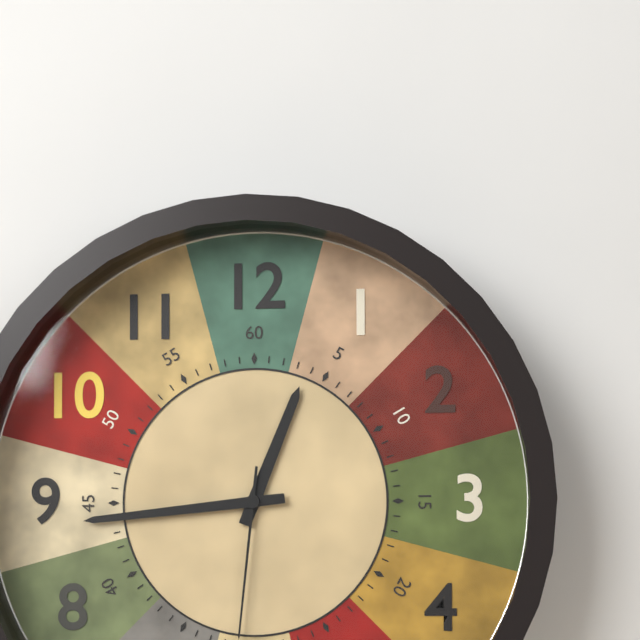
12:44:31
